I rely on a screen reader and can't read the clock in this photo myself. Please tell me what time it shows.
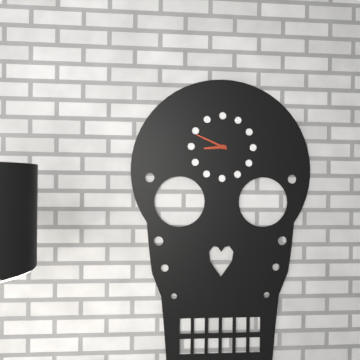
8:49
